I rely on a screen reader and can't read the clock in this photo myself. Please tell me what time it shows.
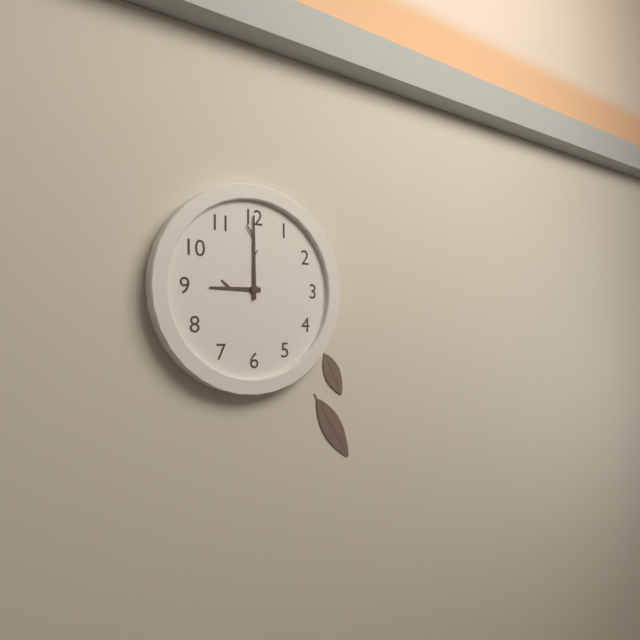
9:00
